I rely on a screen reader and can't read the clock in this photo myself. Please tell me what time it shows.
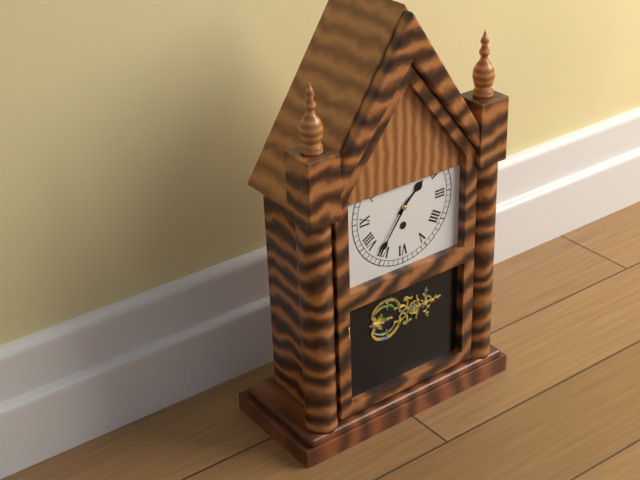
1:36
